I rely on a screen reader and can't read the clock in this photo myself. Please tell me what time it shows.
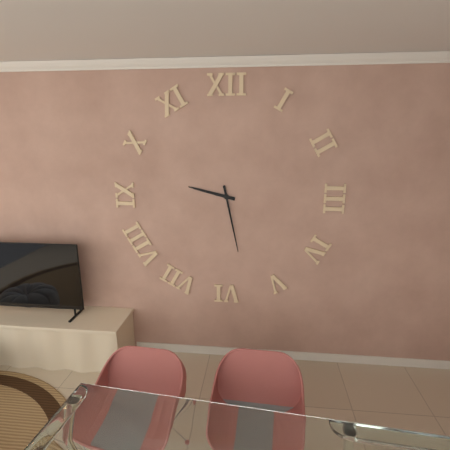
9:28
